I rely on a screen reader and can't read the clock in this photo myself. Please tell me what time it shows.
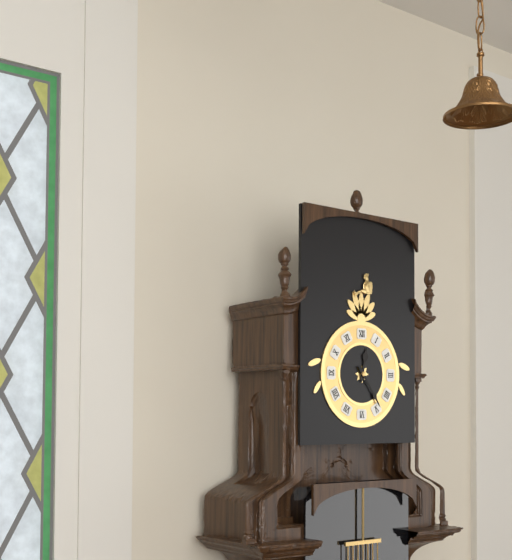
12:24
